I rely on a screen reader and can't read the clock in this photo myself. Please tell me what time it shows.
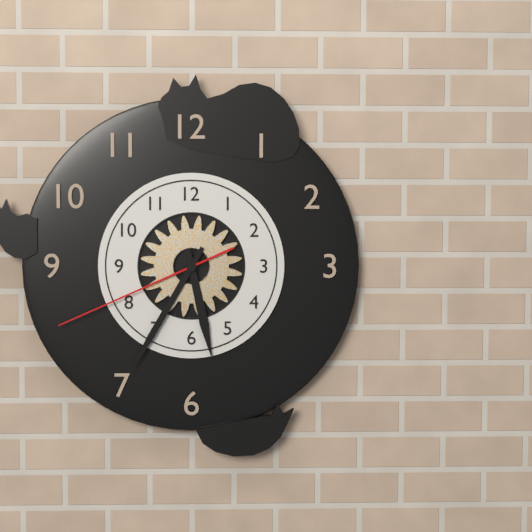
5:35:41
